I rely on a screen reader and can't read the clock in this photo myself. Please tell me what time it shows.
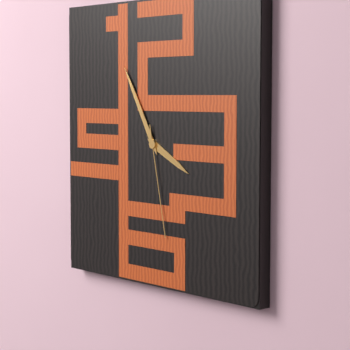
3:55:28
